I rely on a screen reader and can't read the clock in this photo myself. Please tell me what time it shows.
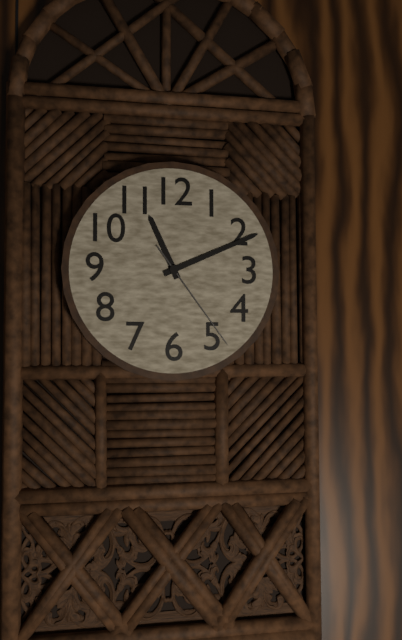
11:11:24
